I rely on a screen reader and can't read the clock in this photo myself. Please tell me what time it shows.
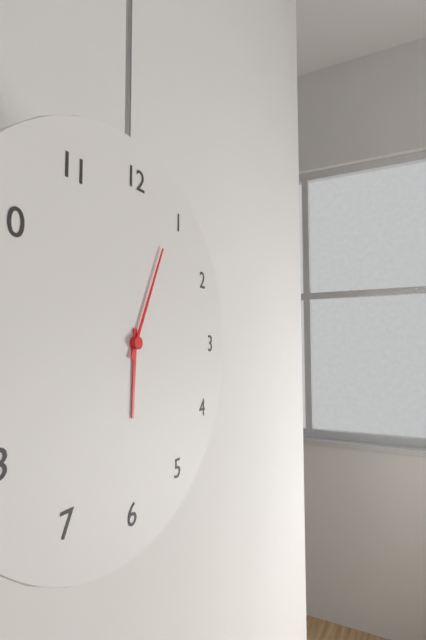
6:04
